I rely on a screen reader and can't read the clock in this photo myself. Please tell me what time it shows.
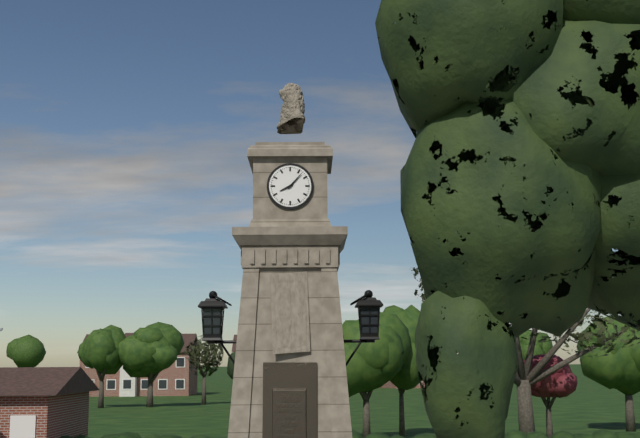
8:07
